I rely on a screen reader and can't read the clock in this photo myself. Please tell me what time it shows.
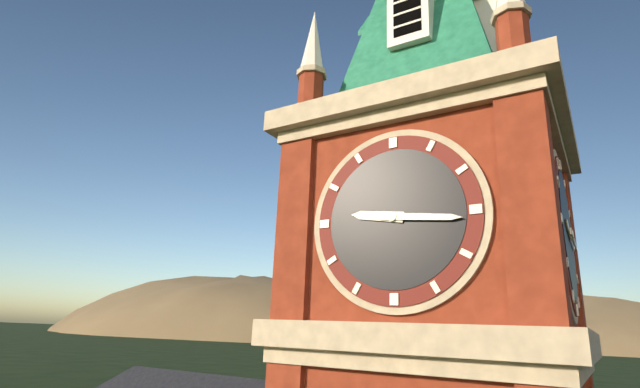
9:16
